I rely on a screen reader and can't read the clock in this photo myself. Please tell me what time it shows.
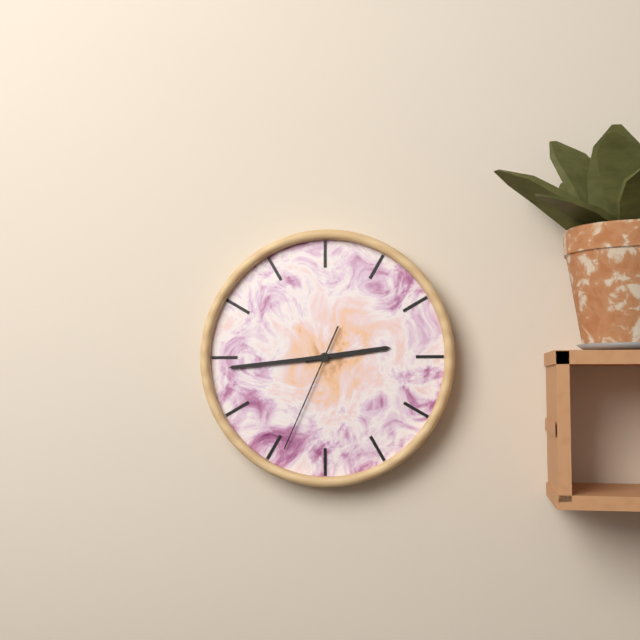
2:44:34
